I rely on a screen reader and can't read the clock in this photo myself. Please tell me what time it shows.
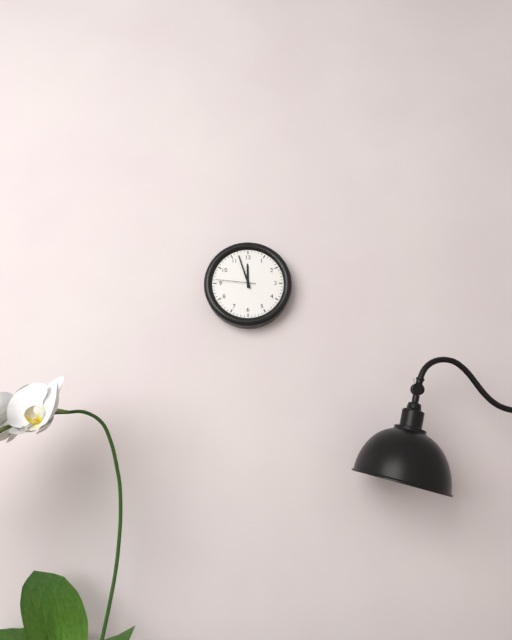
11:57
